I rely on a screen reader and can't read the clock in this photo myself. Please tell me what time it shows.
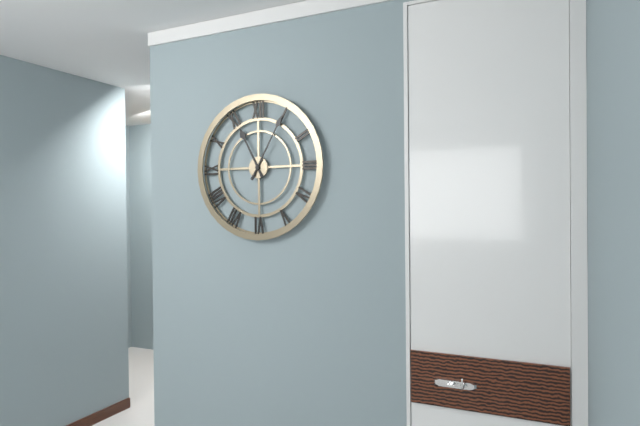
11:05
